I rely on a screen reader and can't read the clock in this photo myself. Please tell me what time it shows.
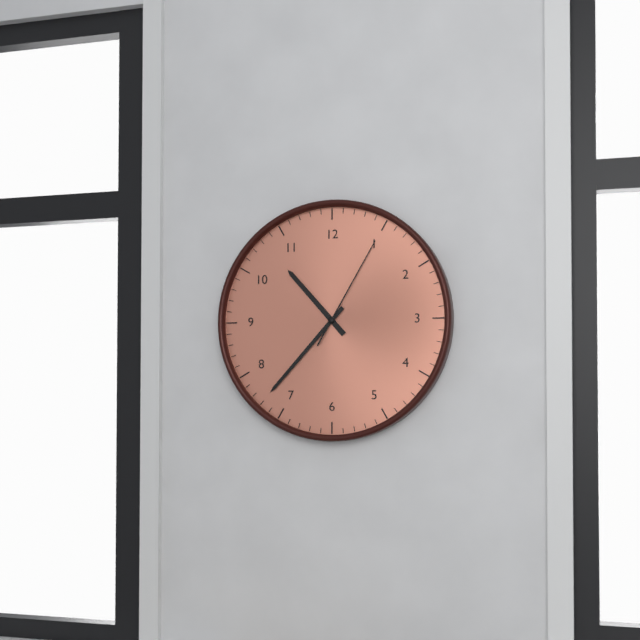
10:37:05
